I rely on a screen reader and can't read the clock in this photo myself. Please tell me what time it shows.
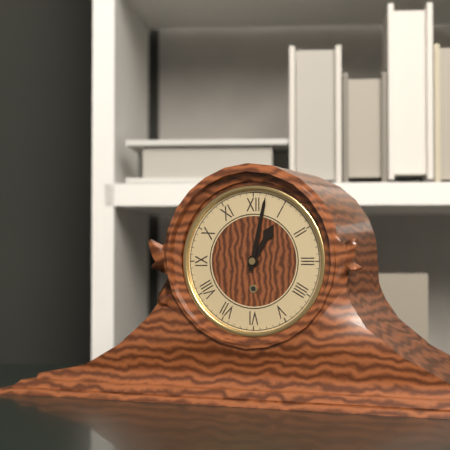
1:02
